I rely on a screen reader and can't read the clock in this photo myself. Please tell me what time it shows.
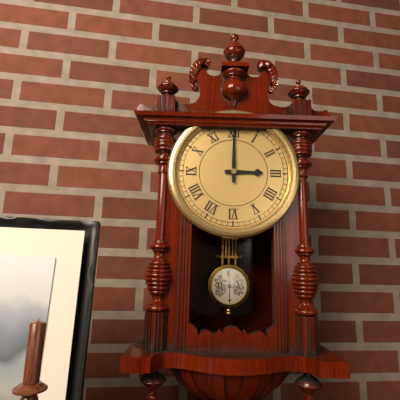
3:00
